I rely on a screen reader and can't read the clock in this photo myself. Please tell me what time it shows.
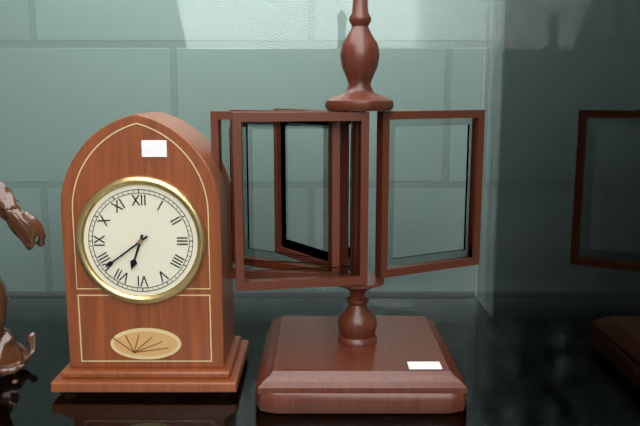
6:39
